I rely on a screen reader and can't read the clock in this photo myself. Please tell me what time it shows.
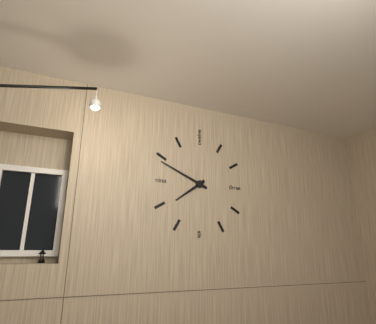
7:49
